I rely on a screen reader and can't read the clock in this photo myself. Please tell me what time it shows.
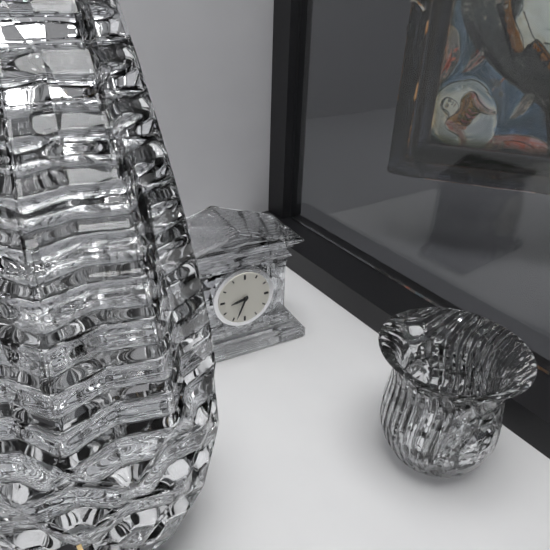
8:34
